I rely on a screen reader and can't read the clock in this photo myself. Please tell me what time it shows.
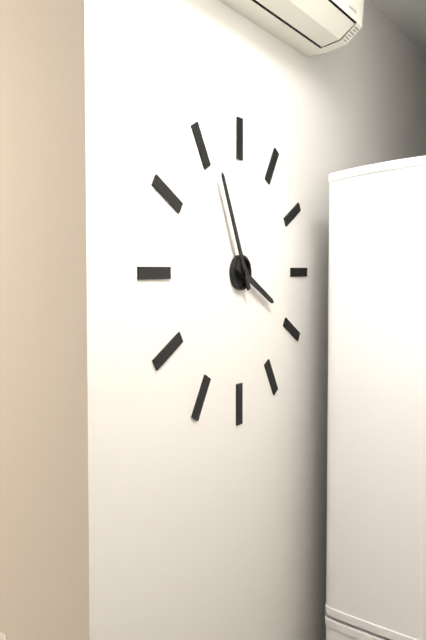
3:56
